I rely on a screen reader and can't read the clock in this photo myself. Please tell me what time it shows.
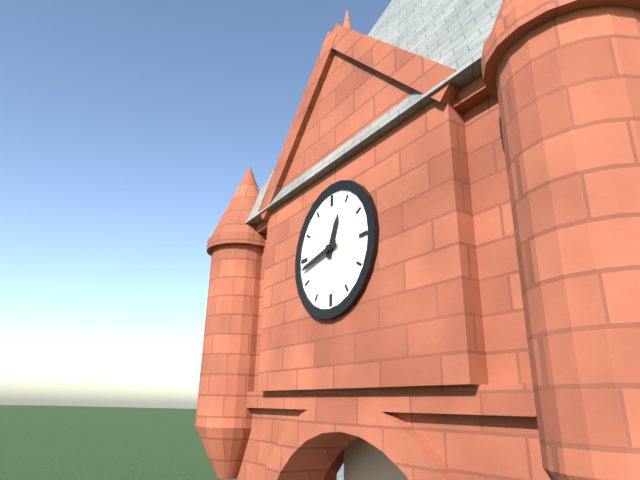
12:43
